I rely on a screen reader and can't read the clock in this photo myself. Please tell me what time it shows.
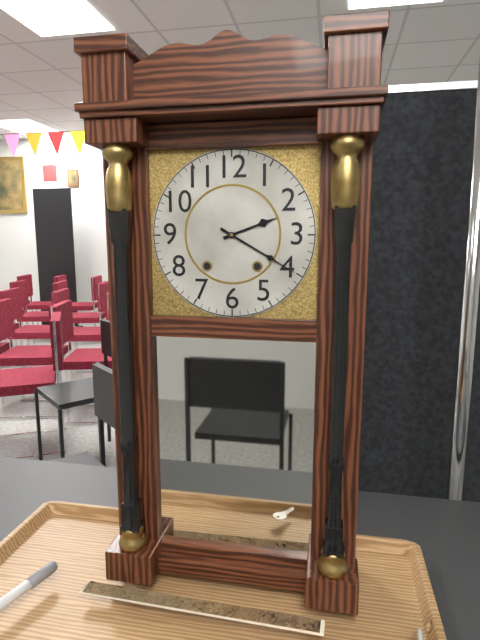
2:20
